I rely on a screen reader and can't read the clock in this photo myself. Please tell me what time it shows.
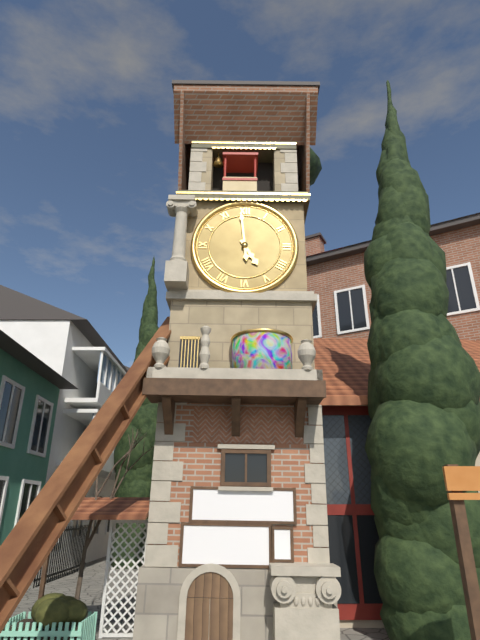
4:59
